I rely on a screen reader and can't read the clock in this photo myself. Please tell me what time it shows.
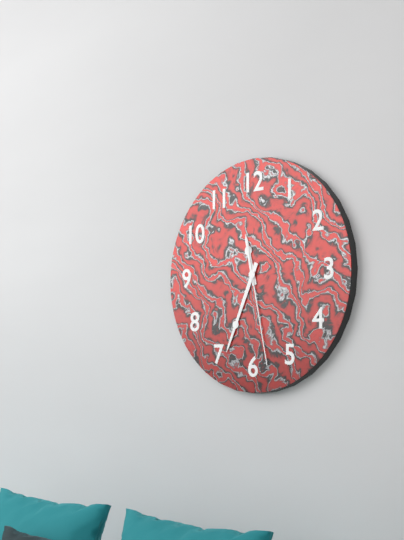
11:34:28
